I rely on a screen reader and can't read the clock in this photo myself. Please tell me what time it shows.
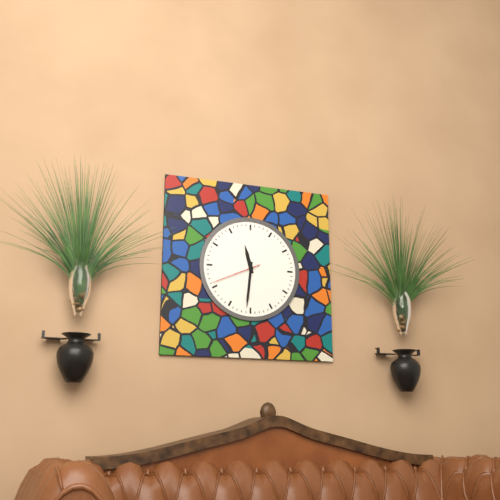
11:31:41
